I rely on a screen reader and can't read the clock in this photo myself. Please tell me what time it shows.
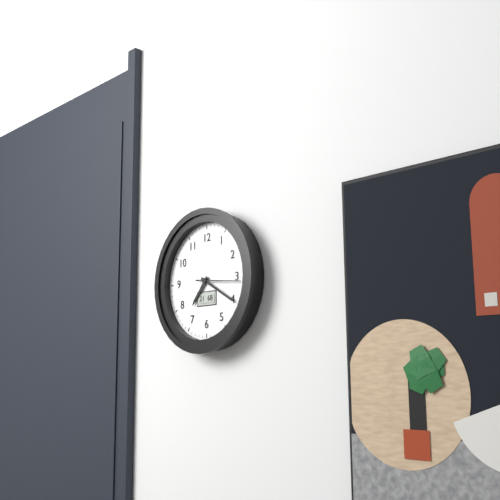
7:20
